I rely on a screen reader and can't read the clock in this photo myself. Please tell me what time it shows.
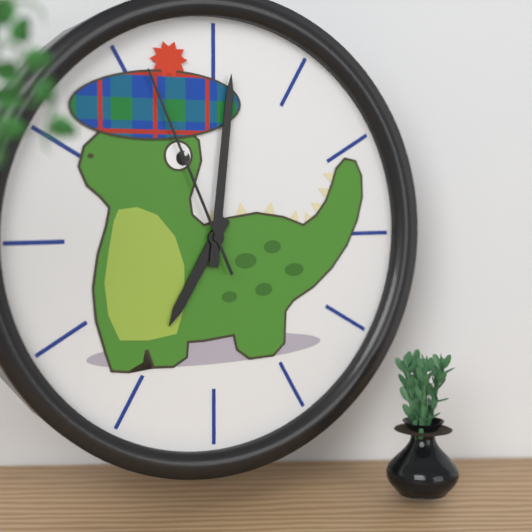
7:01:56
